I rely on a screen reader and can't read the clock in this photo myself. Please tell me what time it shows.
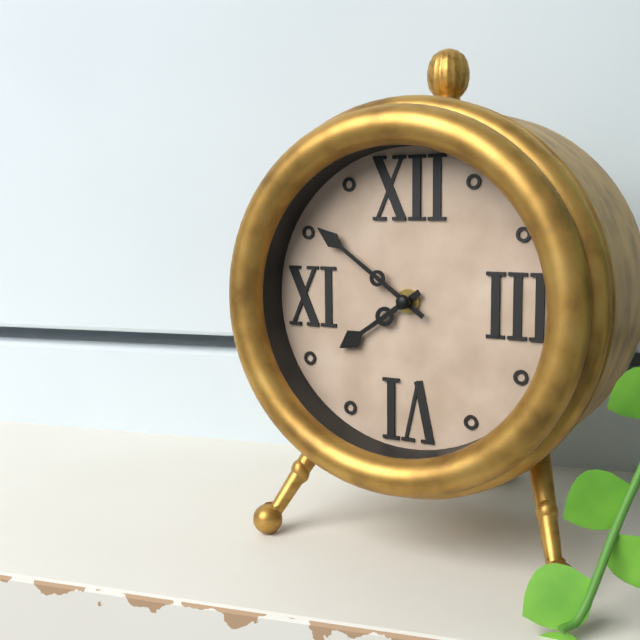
7:51
